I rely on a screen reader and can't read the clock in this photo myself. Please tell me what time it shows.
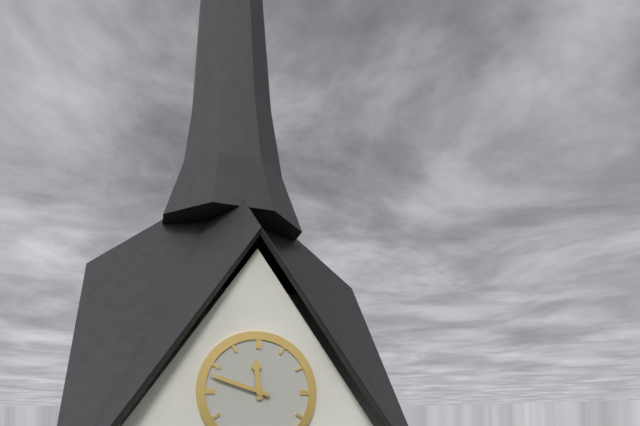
11:48
